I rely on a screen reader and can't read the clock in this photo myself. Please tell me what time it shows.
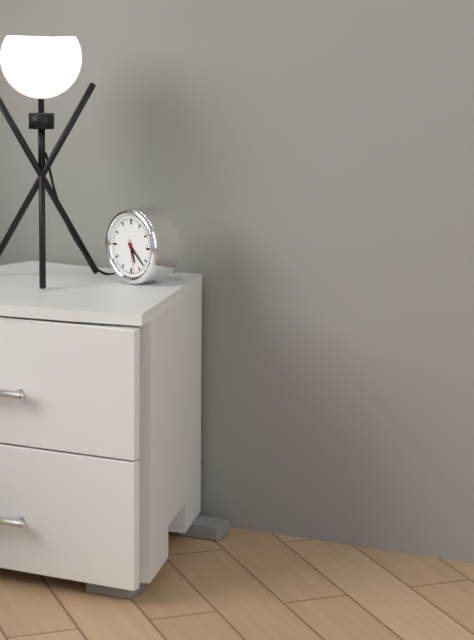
5:22
